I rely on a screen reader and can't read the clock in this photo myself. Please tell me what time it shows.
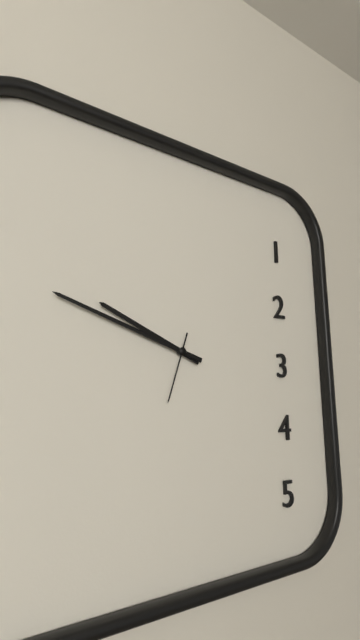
9:48:33
